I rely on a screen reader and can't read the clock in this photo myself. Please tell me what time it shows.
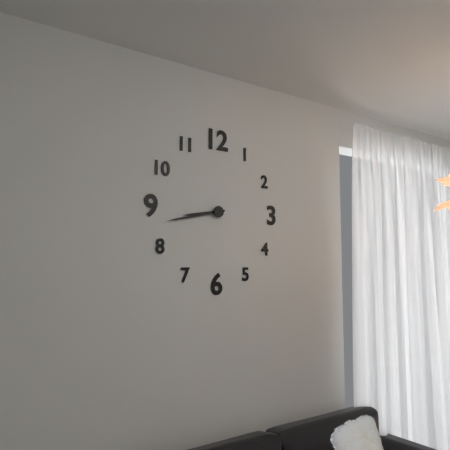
8:43
